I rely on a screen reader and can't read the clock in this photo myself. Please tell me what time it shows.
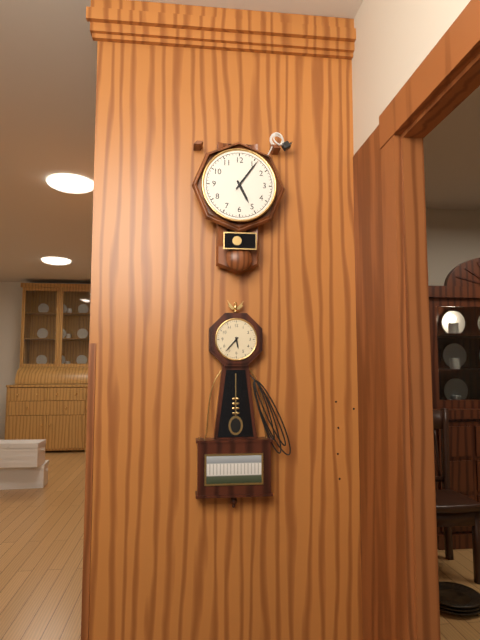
5:06
